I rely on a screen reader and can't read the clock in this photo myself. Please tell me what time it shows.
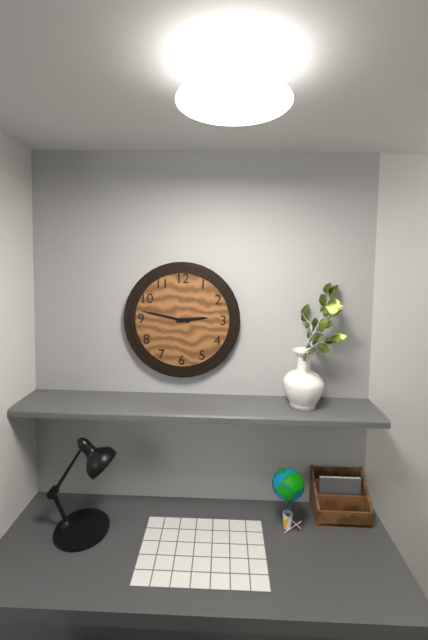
2:47
